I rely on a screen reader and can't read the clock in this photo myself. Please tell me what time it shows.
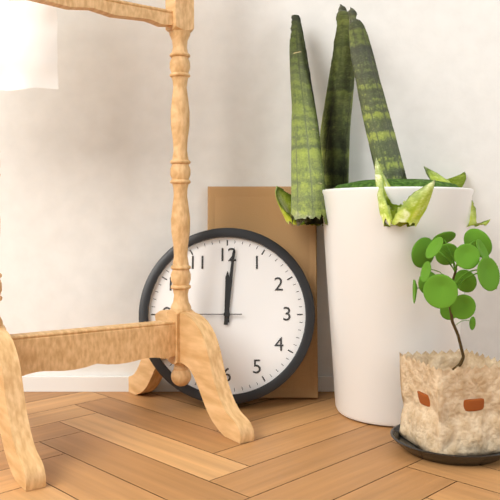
12:01
